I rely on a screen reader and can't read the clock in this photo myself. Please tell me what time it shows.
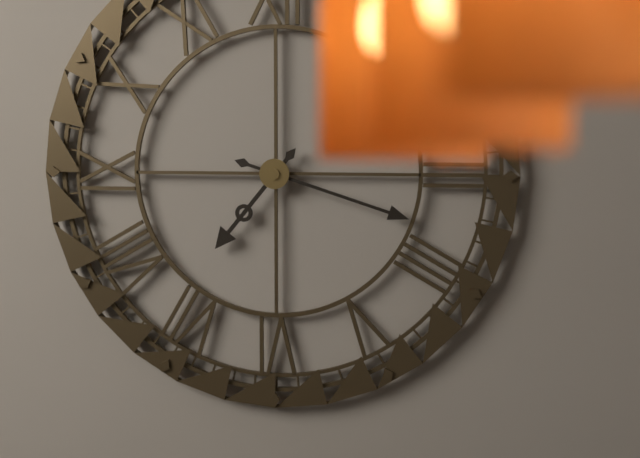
7:18
